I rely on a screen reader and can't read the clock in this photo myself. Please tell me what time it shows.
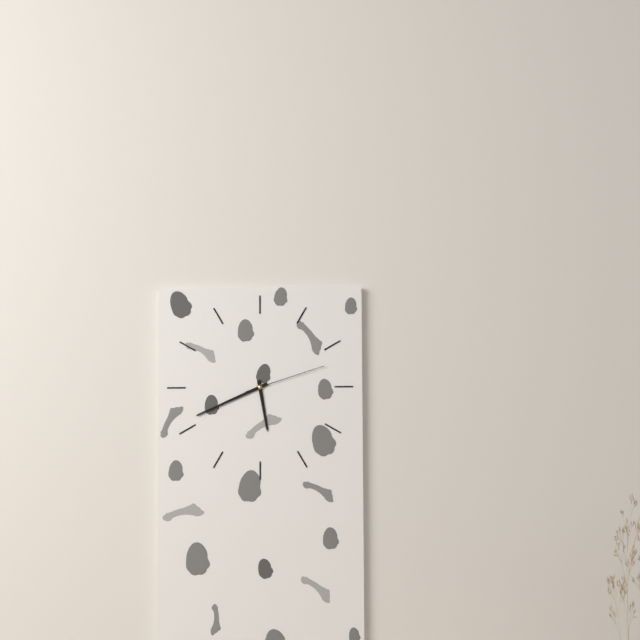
5:41:12
